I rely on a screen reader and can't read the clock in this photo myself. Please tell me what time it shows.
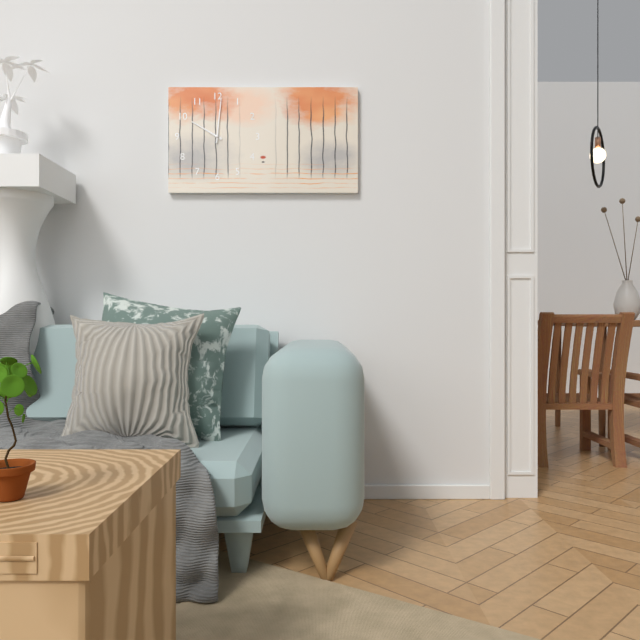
10:01
